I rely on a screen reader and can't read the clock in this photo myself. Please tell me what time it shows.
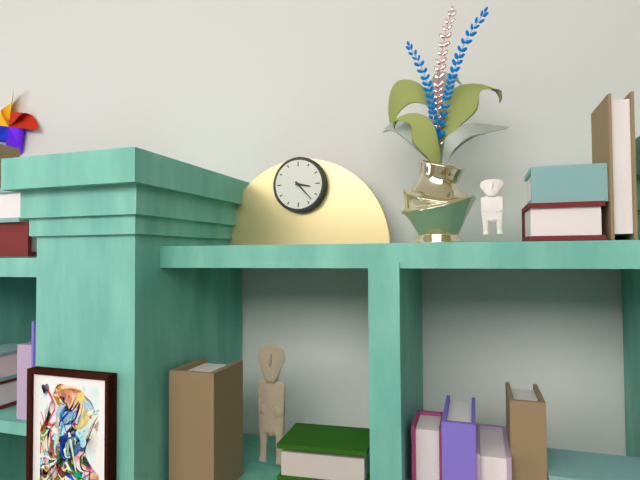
3:23
